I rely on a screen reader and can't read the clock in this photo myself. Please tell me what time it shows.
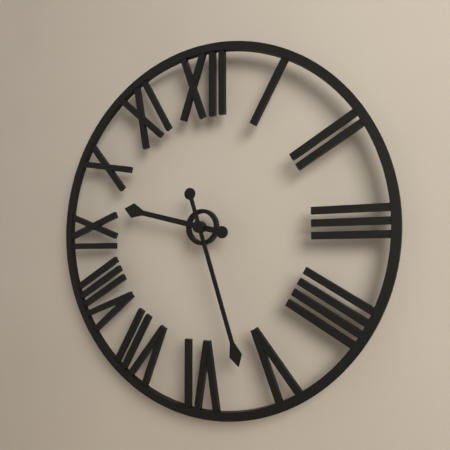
9:27
